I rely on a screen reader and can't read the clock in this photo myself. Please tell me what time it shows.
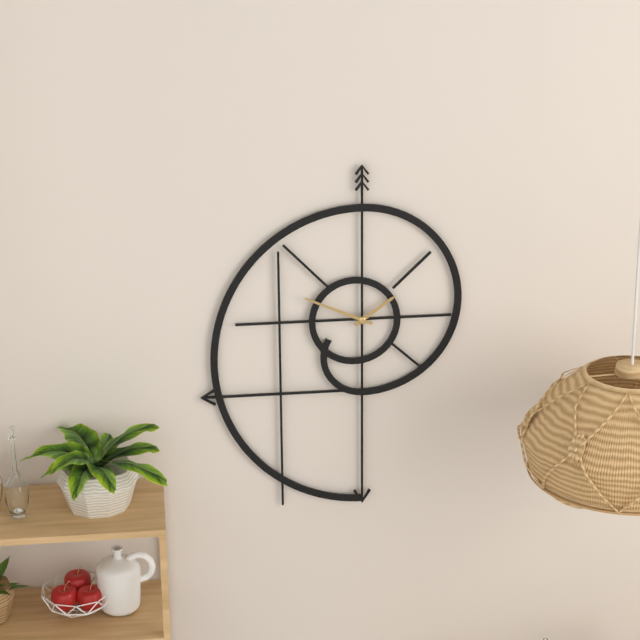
1:49
